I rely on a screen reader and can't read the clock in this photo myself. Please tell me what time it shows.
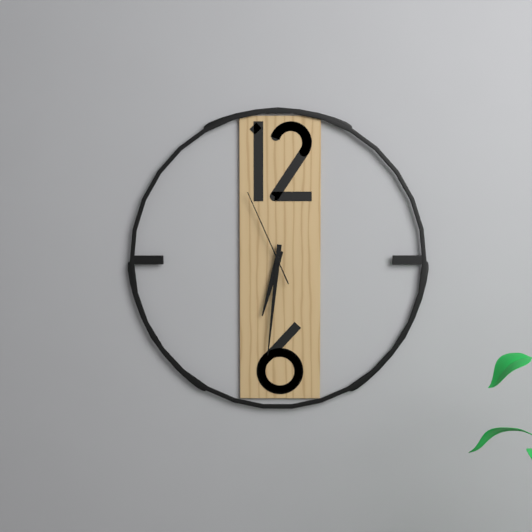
6:31:56
